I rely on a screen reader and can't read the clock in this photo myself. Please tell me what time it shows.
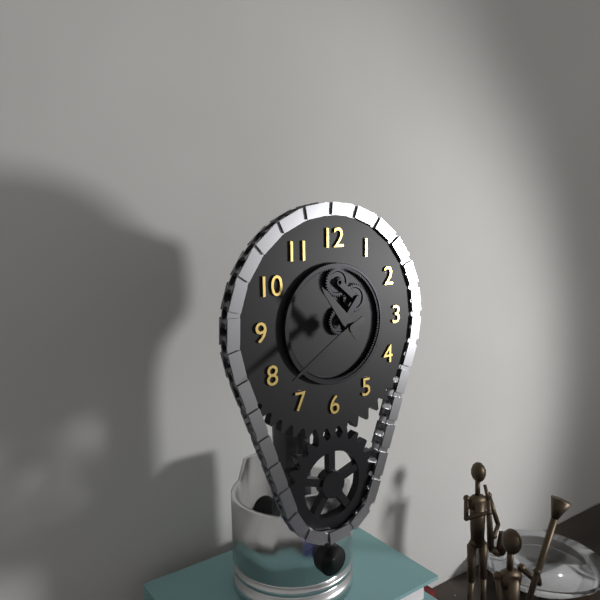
10:40
